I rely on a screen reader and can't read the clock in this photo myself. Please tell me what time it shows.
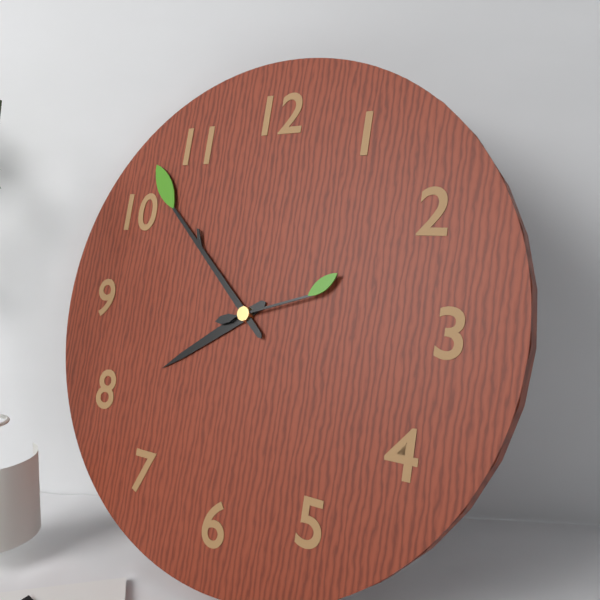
7:52:12
